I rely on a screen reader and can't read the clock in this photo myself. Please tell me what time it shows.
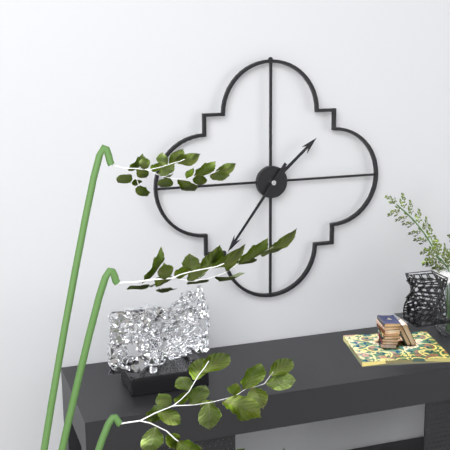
1:36
